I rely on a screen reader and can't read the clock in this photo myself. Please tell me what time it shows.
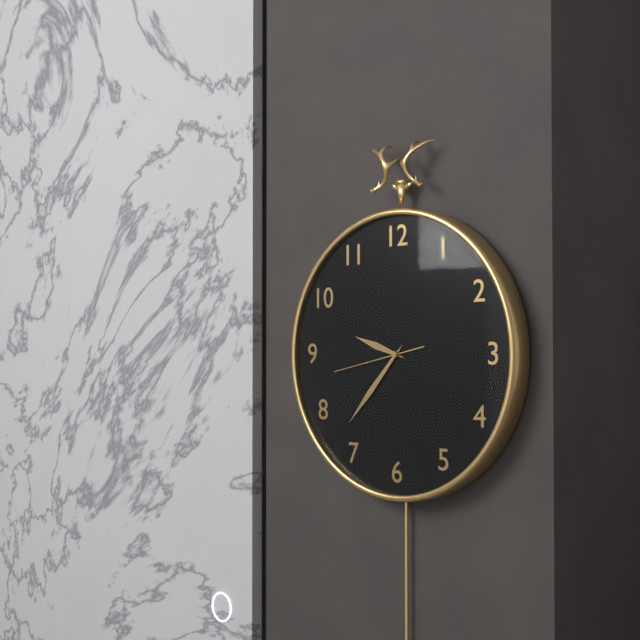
9:37:43
